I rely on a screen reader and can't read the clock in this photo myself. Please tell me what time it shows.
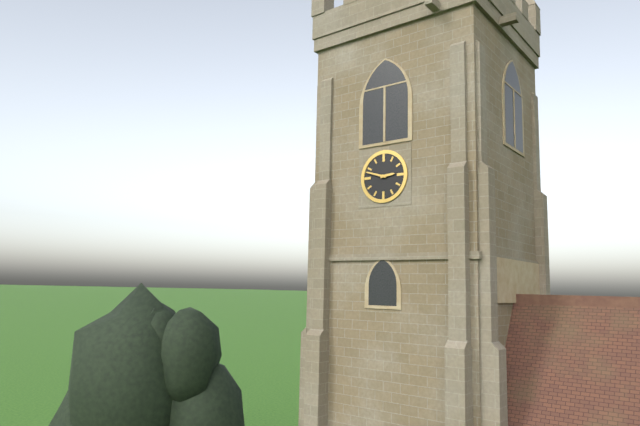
2:48
